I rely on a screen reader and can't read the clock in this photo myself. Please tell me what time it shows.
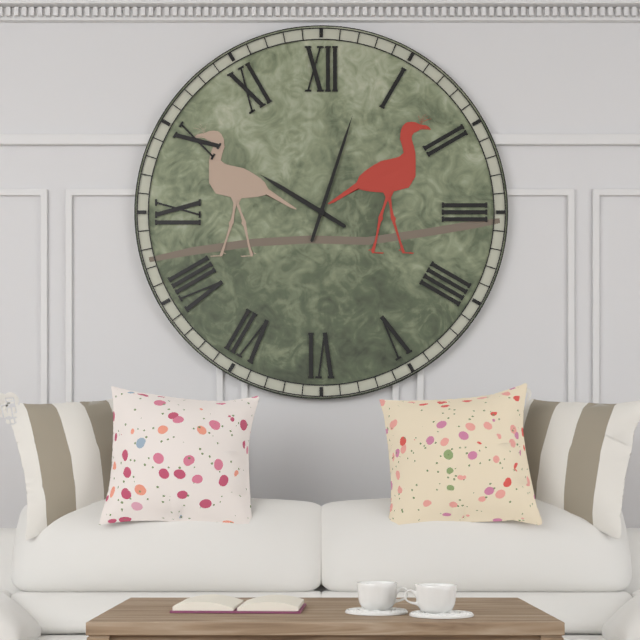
10:03
